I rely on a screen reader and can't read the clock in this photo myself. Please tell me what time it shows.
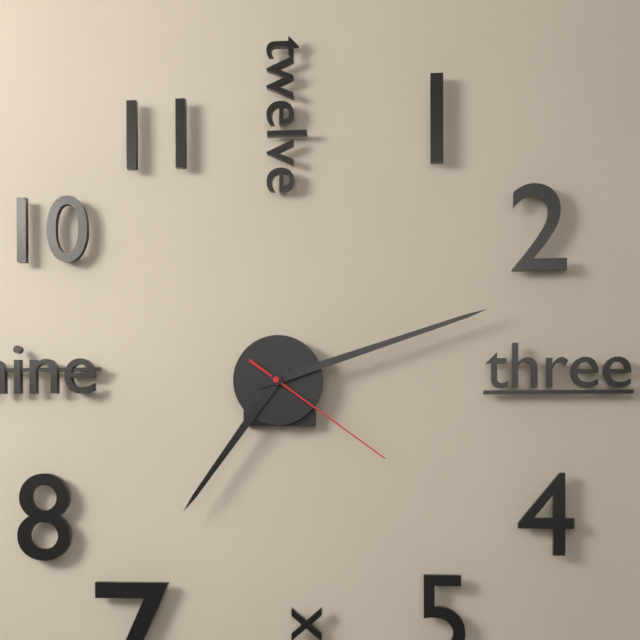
7:12:21
